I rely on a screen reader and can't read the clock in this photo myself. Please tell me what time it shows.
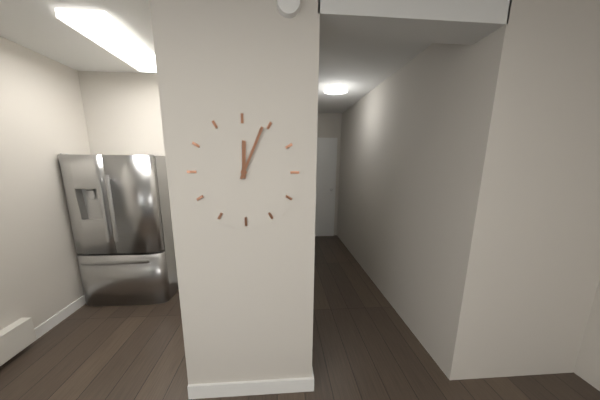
12:04
